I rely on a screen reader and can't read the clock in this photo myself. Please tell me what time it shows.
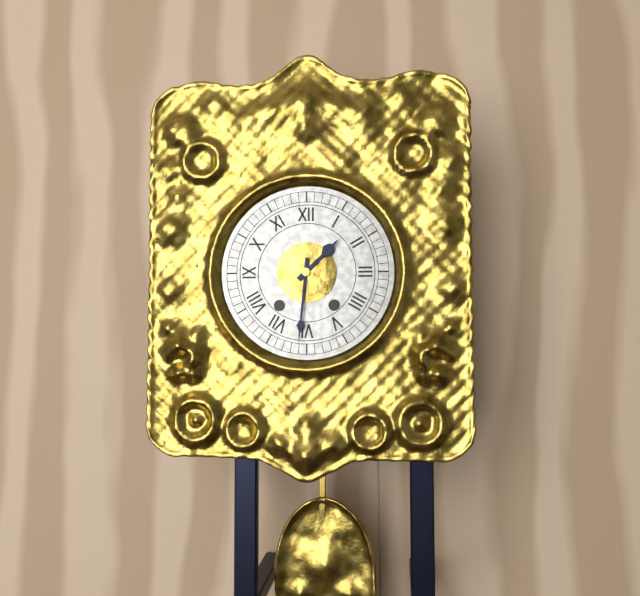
1:31
